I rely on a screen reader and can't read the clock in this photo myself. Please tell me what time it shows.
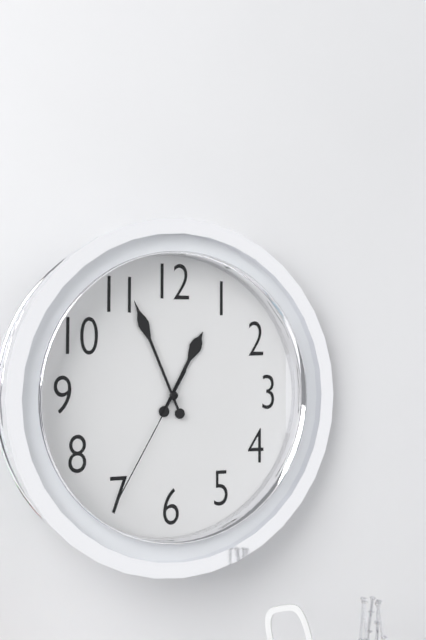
12:56:35
